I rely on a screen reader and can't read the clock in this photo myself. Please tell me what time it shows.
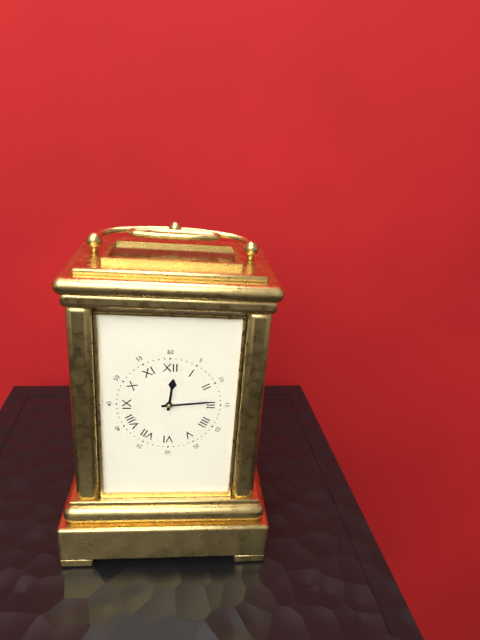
12:14
